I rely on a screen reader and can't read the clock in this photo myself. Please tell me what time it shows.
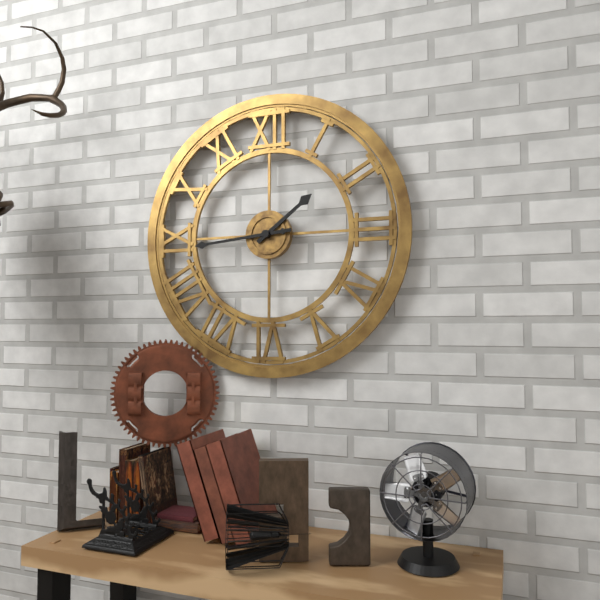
1:44
